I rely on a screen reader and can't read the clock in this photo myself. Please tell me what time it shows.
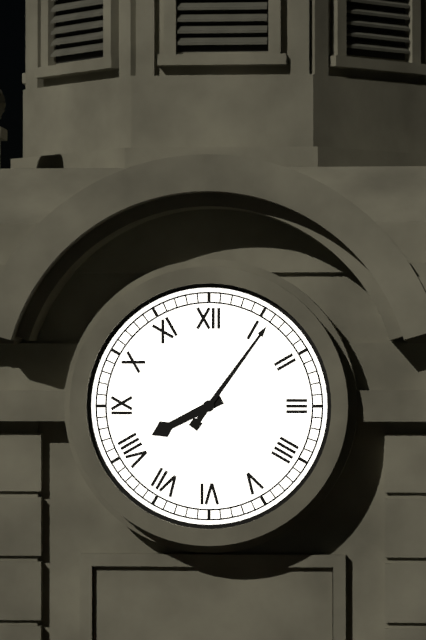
8:06
